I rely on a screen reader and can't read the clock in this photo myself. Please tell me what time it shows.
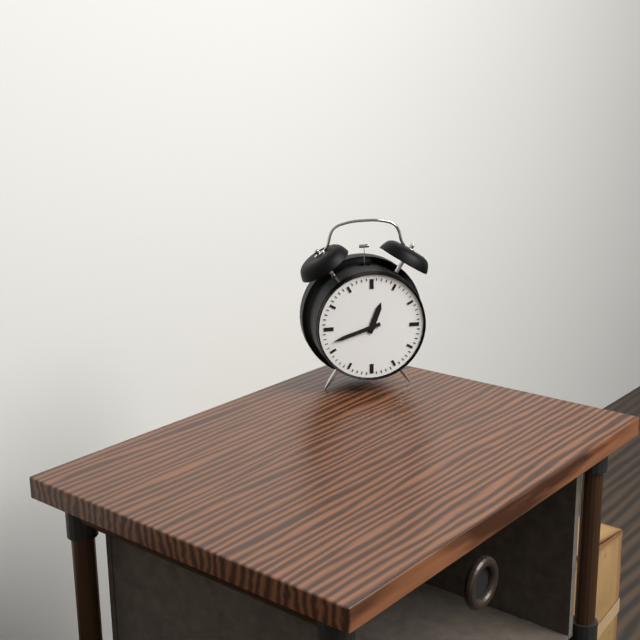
12:42
